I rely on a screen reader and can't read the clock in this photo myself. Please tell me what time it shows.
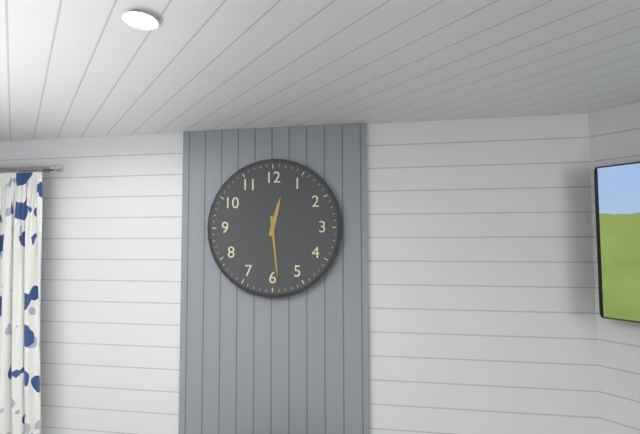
12:29
